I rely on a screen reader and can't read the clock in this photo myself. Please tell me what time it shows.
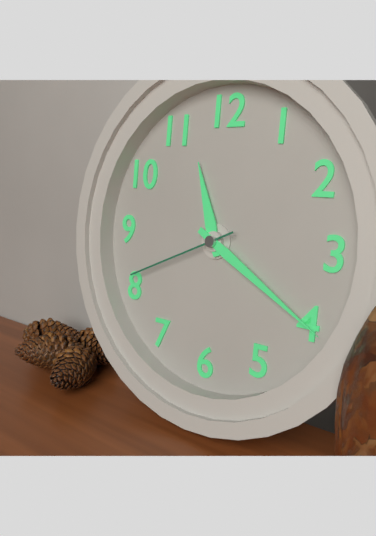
11:20:41
